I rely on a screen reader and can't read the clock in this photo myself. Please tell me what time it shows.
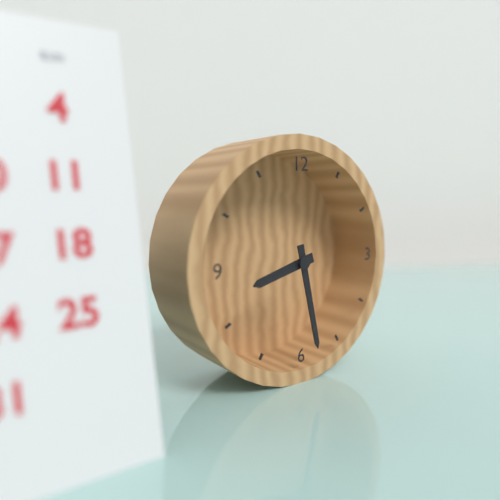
8:28
